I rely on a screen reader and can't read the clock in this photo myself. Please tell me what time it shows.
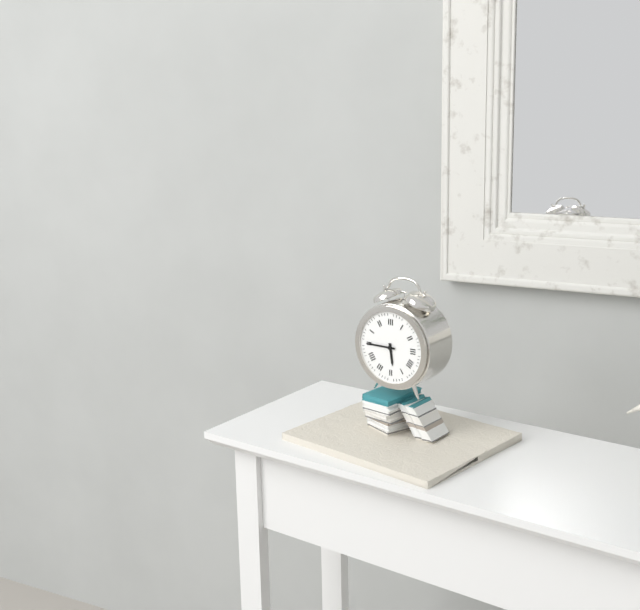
5:45
